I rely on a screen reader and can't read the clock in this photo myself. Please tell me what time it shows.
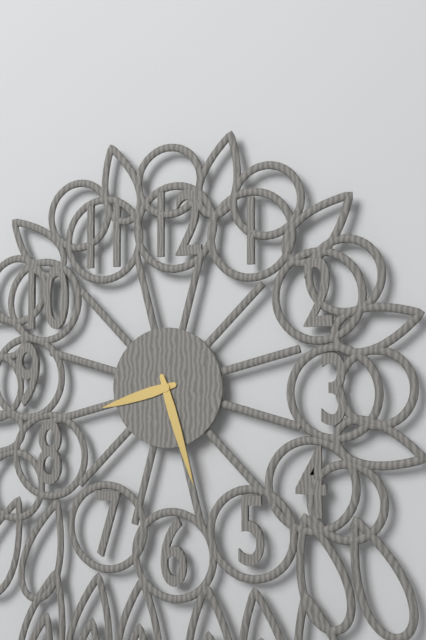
8:27
